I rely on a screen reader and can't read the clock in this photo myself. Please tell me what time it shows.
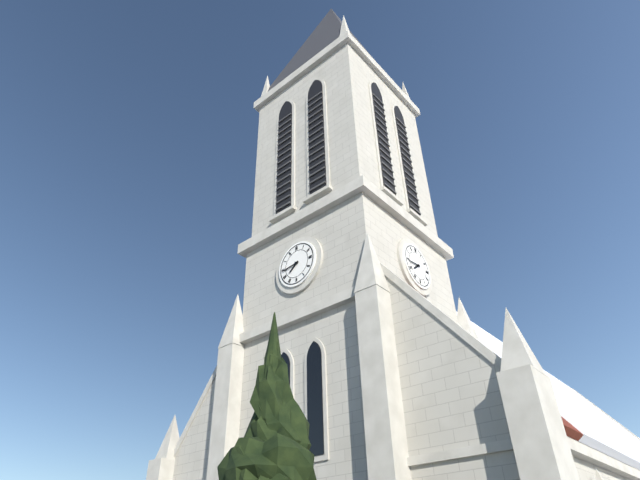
7:44
